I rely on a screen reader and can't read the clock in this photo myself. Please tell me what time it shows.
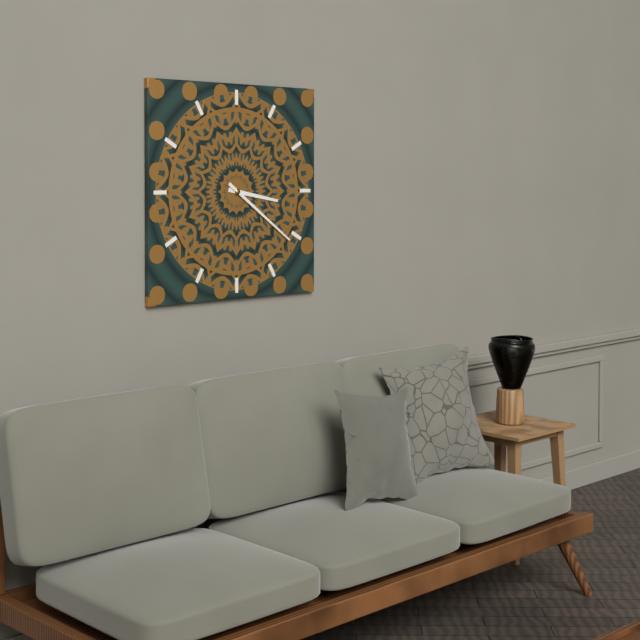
3:21
